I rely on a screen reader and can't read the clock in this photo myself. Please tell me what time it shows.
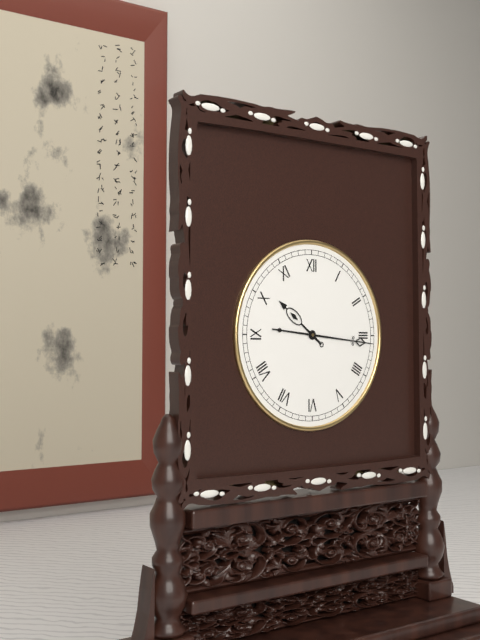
10:16
